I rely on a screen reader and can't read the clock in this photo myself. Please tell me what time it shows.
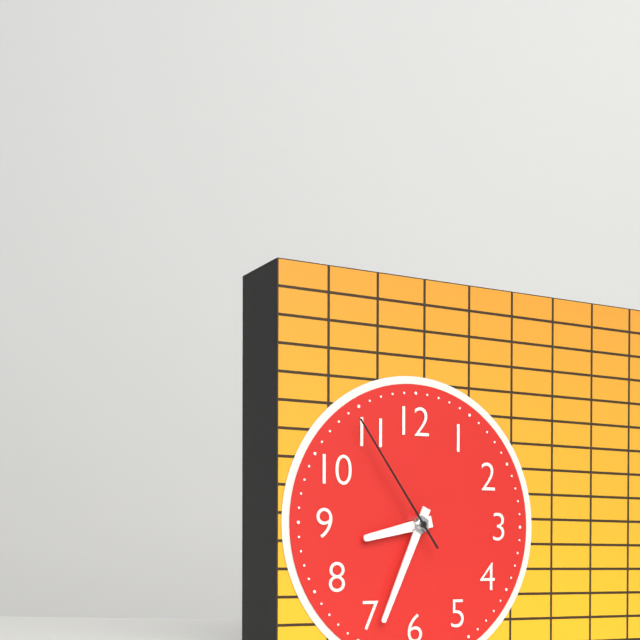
8:34:54
